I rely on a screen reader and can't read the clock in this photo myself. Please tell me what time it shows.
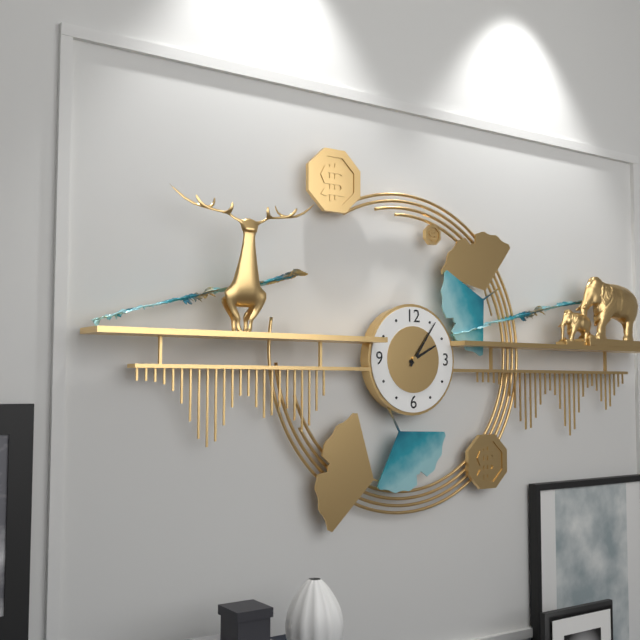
2:06
